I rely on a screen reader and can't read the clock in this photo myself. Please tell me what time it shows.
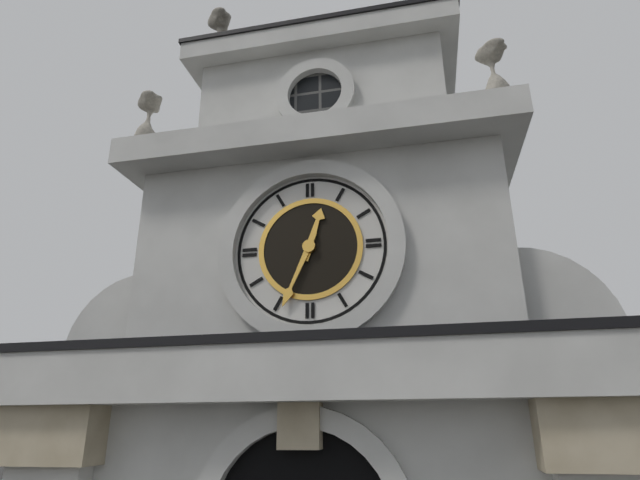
12:34
